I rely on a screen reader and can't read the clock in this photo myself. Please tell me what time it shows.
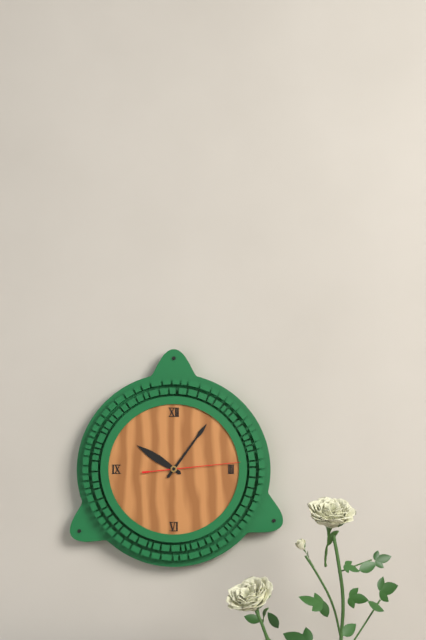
10:06:14
